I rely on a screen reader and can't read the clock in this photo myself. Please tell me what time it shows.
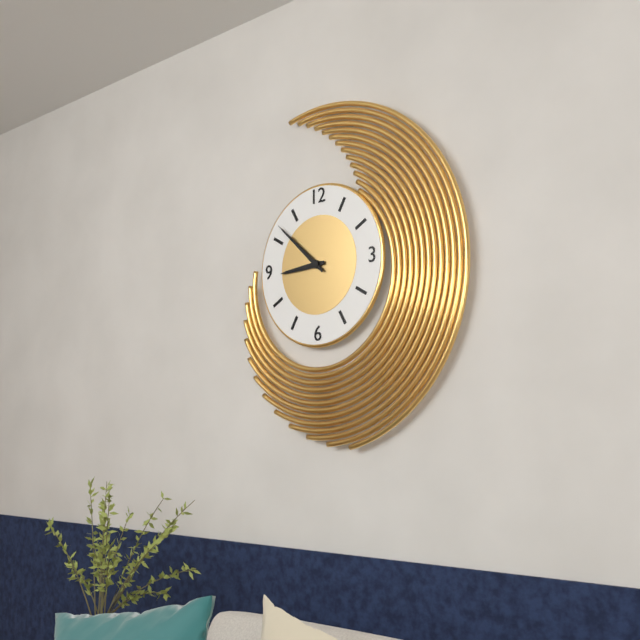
8:52
